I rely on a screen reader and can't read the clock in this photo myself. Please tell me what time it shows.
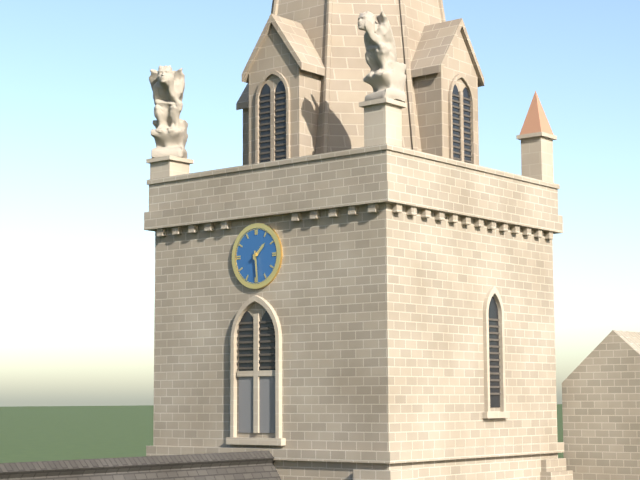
1:29
